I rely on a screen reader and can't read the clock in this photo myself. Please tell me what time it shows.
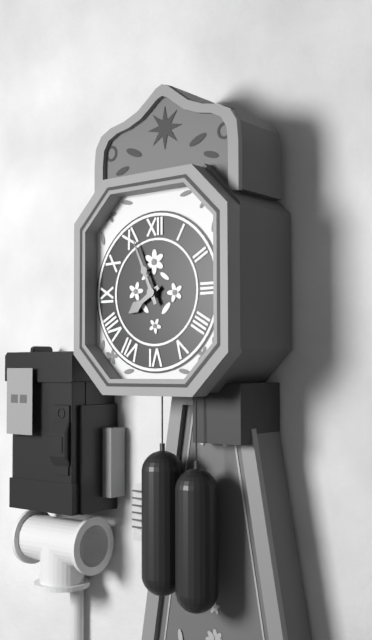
7:56
